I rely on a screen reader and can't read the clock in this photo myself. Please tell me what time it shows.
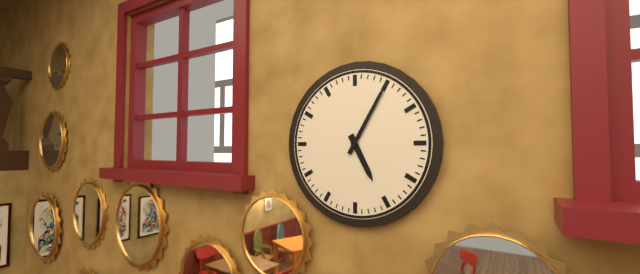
5:05
